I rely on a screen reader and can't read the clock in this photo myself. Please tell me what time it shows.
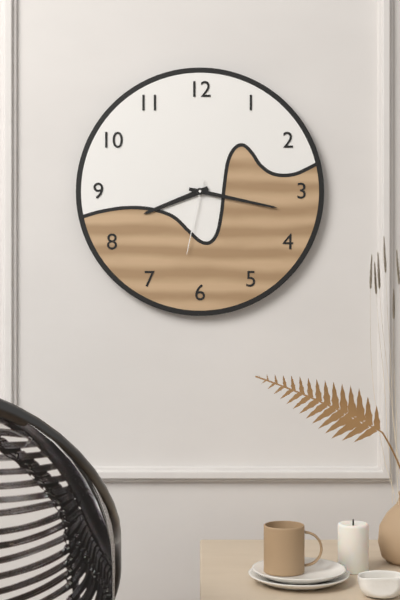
8:17:32
